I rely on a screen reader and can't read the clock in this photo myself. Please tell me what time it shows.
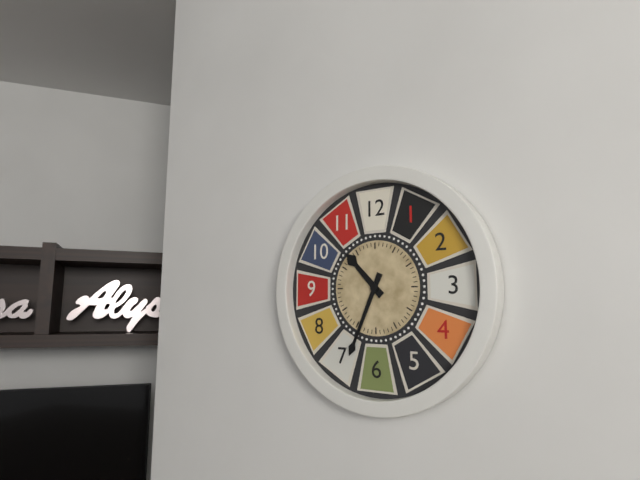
10:34
